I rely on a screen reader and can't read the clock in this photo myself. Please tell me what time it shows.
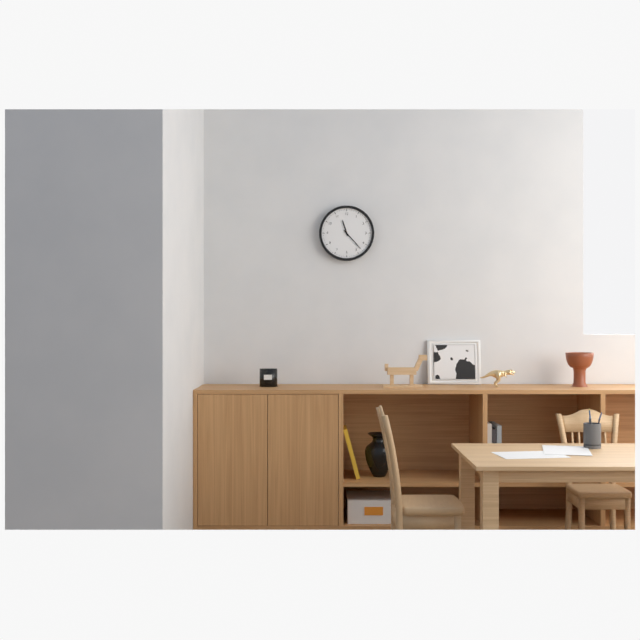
11:23
